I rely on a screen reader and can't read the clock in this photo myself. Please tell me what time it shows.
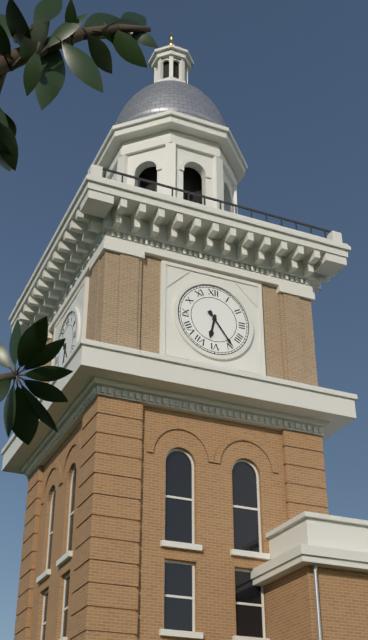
6:24
